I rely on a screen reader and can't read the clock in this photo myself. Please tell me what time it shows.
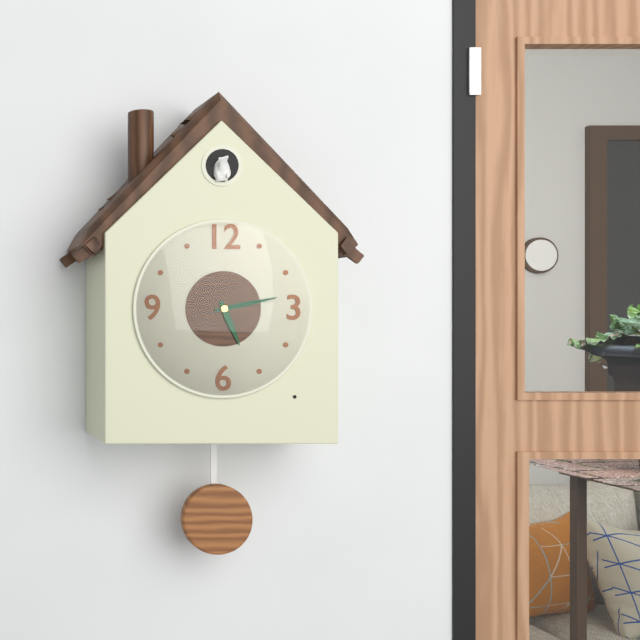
5:13
